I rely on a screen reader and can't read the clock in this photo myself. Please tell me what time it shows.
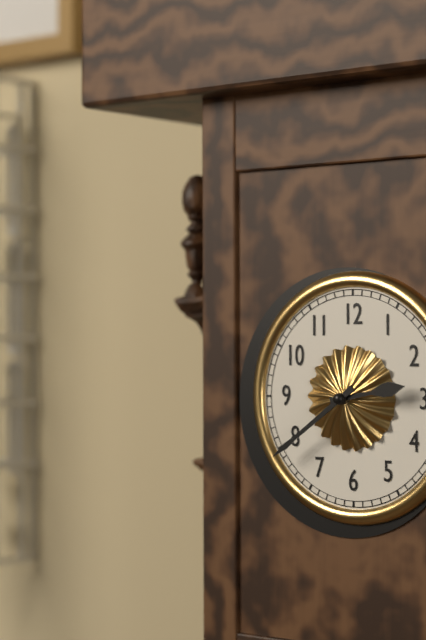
2:39
